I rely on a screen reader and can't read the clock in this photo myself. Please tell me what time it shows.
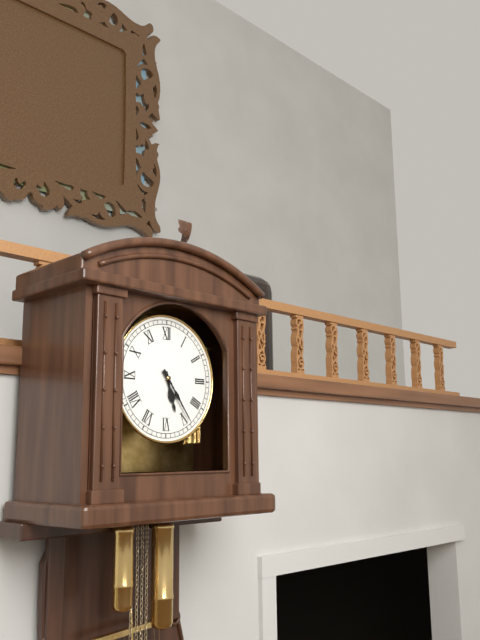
5:24
